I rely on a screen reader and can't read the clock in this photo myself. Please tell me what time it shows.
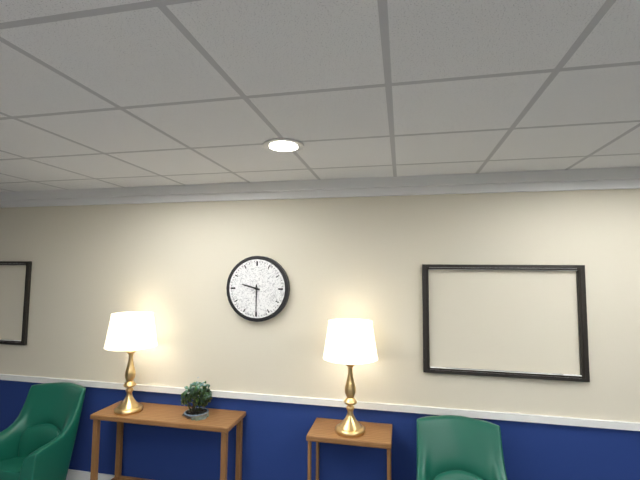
9:30
